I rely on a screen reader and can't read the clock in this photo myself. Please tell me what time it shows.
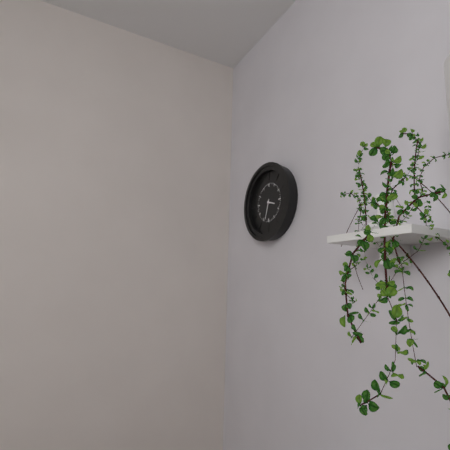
3:33
